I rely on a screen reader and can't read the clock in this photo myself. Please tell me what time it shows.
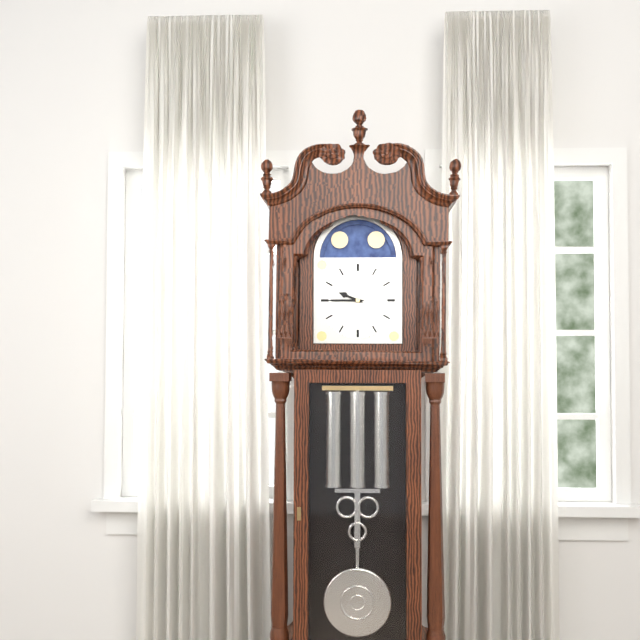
9:45
